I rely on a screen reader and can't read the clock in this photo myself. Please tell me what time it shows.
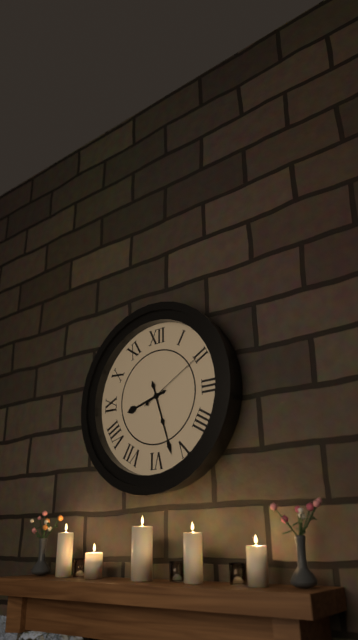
8:27:10
